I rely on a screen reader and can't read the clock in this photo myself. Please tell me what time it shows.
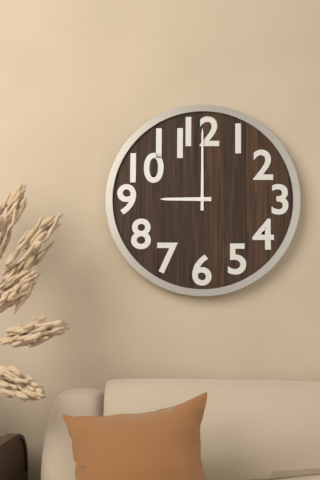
9:00
